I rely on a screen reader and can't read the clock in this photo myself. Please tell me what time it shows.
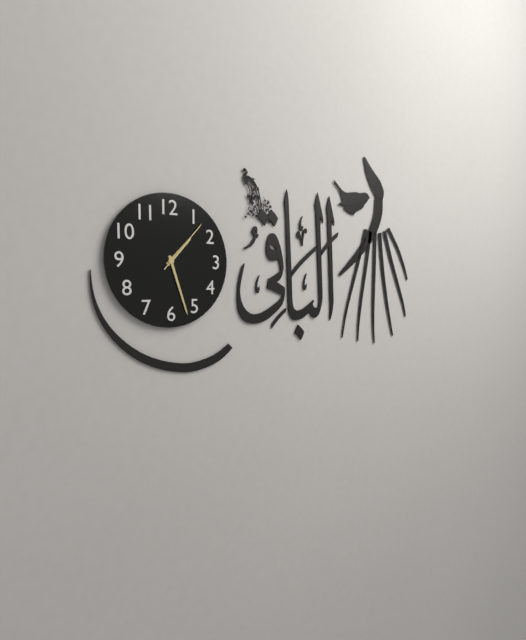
1:27:07
